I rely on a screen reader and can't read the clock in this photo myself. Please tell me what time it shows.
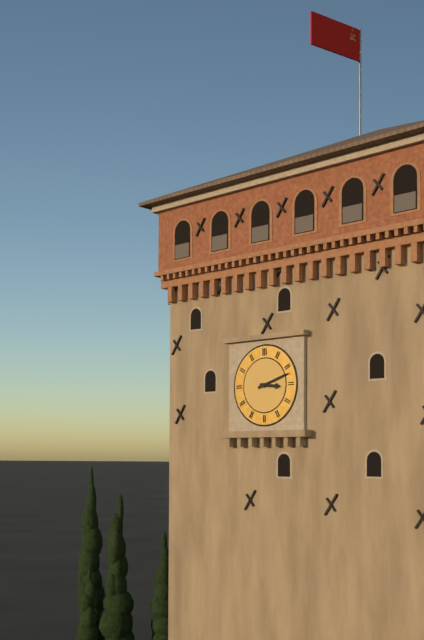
3:12
